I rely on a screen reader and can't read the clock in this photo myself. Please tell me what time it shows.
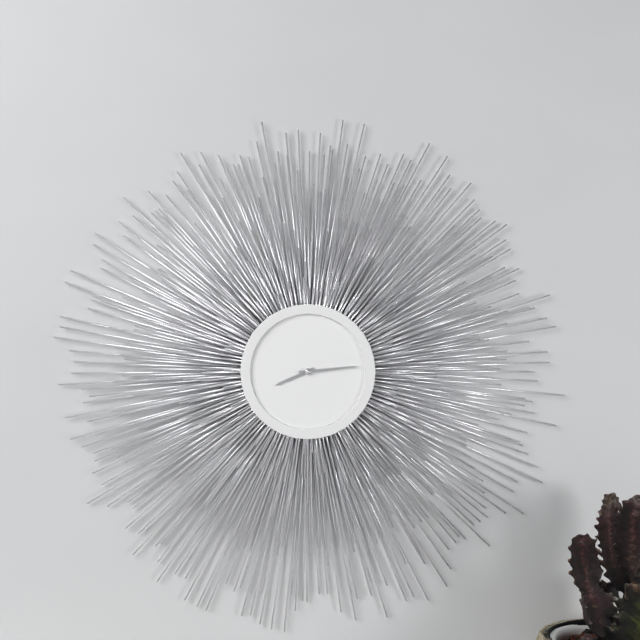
8:14
